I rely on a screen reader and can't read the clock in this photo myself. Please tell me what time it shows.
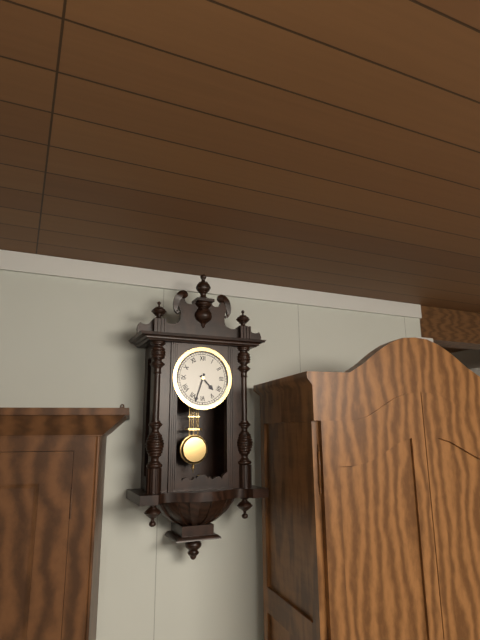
4:33
